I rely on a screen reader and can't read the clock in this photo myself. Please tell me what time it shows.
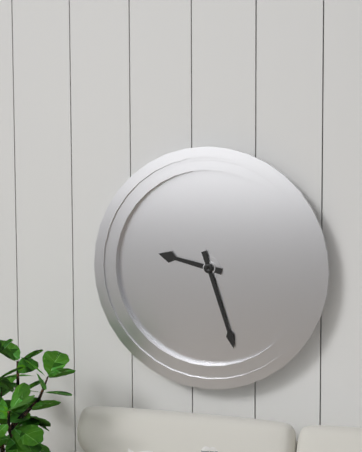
9:27
